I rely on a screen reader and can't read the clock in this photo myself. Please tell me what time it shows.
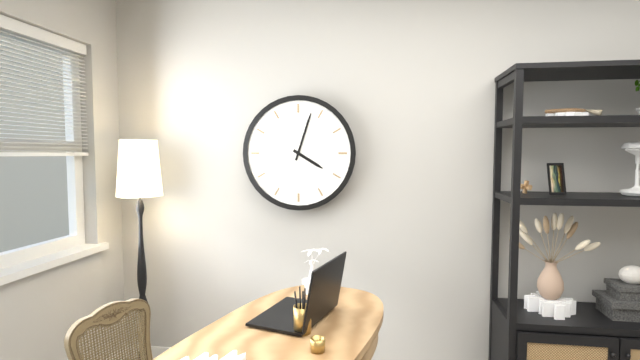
4:03
